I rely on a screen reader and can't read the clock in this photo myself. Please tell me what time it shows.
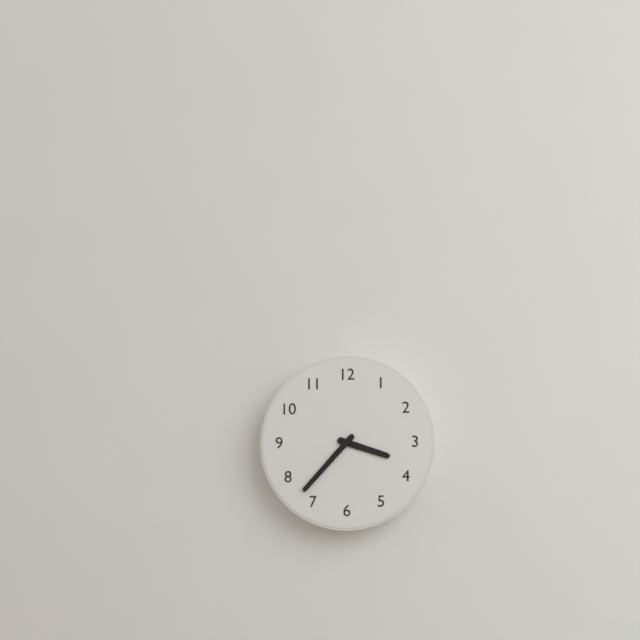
3:37
